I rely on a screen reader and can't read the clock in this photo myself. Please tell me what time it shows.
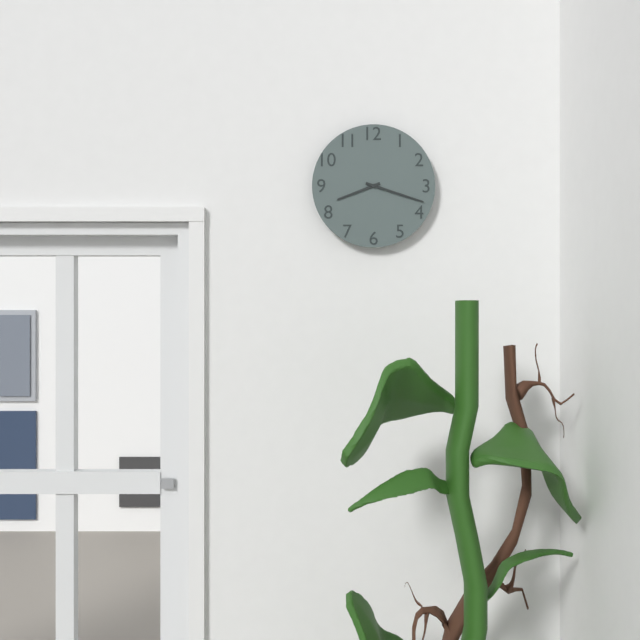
8:18
